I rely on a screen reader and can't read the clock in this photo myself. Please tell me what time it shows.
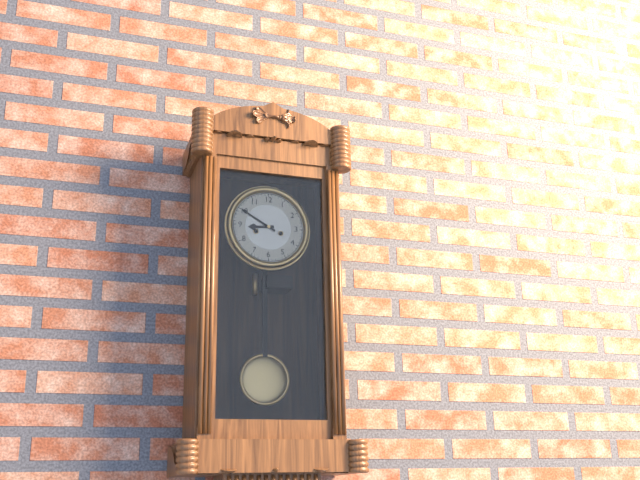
8:50
